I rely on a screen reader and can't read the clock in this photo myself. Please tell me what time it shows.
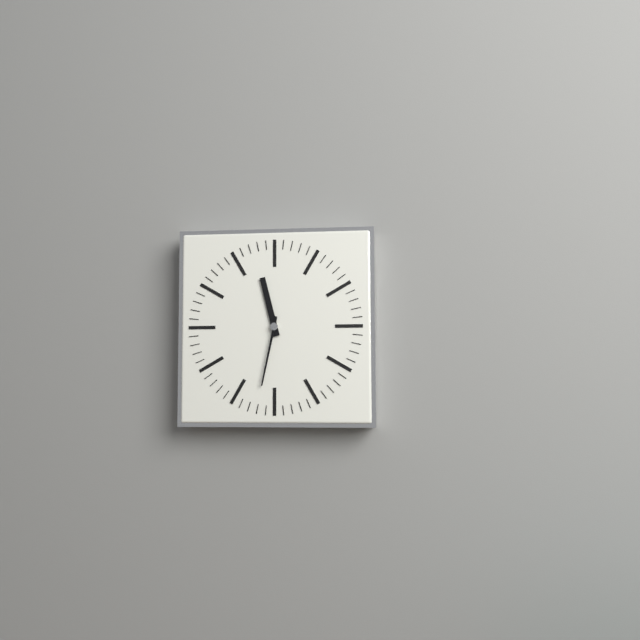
11:32
